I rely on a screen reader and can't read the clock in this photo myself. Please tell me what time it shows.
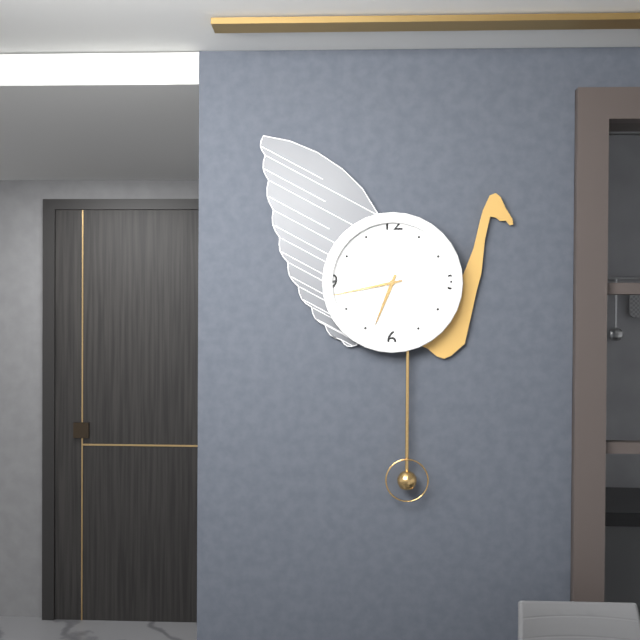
6:43
